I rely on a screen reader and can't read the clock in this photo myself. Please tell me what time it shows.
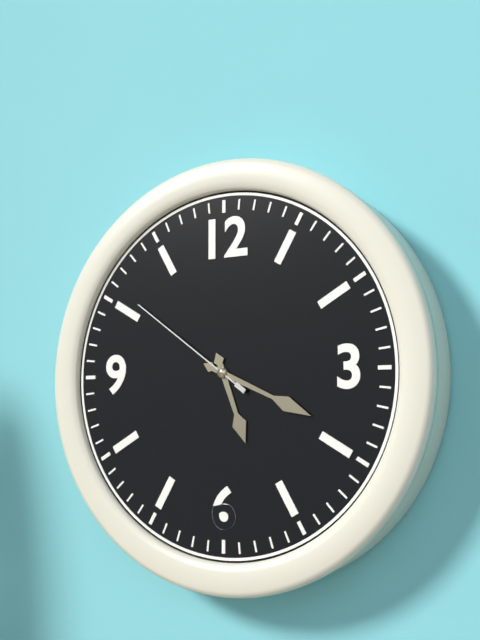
5:19:51
